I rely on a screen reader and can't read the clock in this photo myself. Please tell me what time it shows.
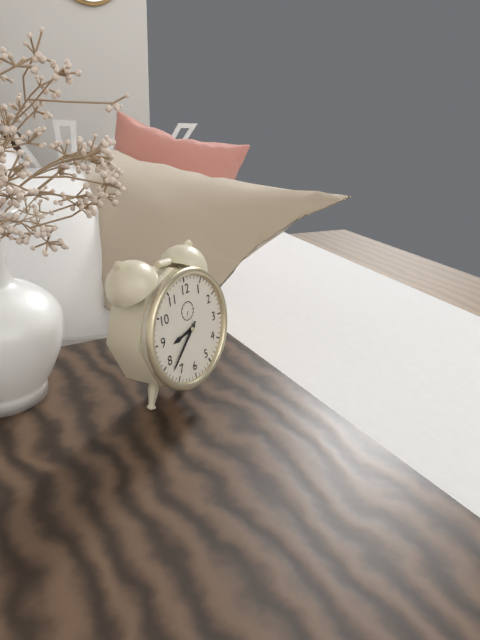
8:38
